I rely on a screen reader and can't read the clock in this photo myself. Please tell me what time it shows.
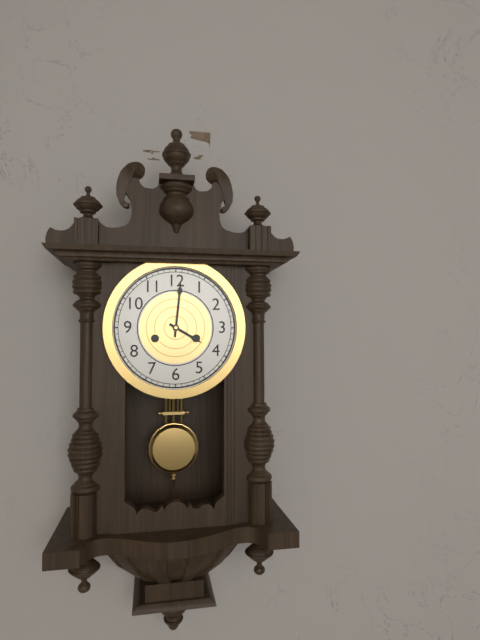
4:01
